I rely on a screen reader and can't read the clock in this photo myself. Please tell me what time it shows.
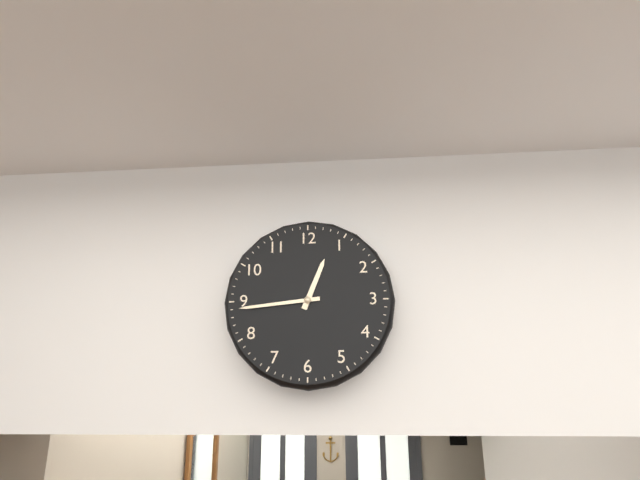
12:44
